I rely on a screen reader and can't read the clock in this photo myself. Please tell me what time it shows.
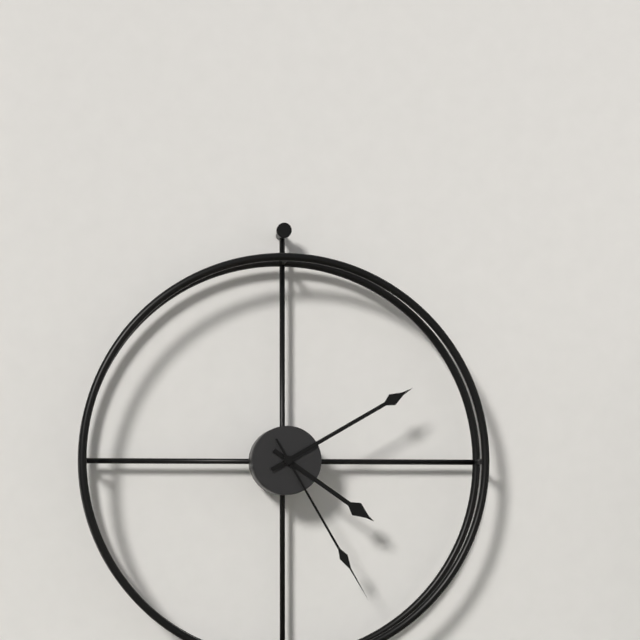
4:10:25
